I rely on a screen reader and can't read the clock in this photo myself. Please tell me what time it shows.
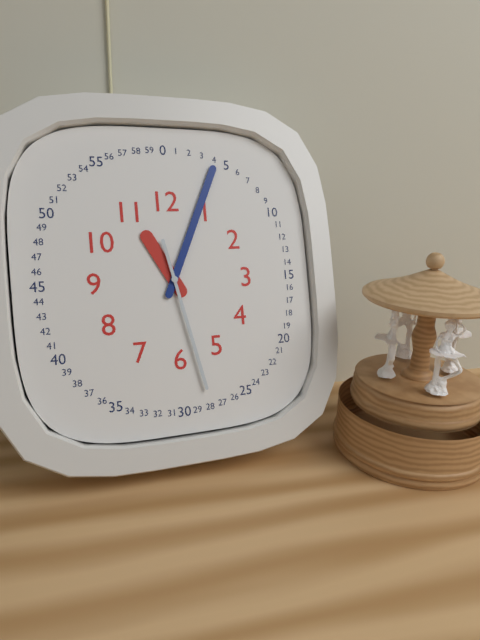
11:04:28
